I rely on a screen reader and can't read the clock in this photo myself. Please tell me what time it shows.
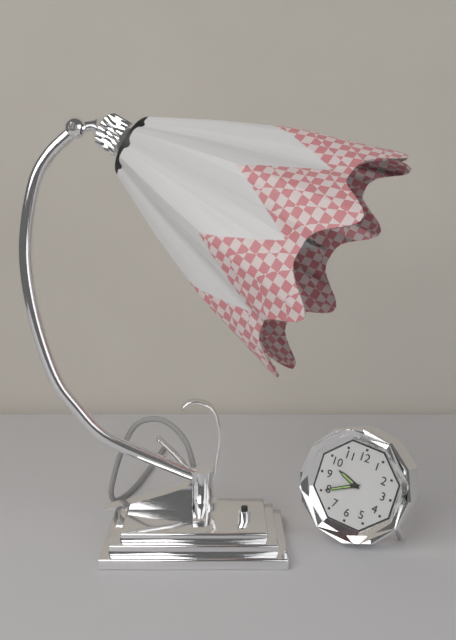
9:40
